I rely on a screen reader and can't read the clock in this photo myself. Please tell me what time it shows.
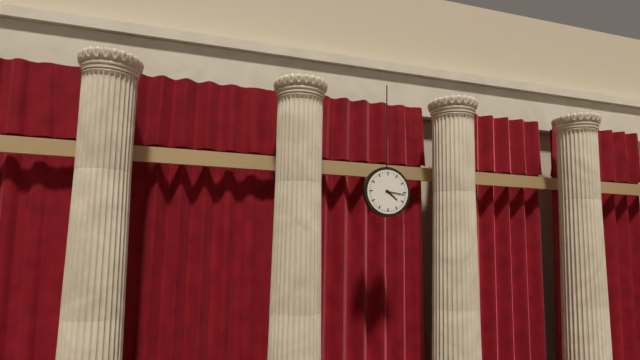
4:16
